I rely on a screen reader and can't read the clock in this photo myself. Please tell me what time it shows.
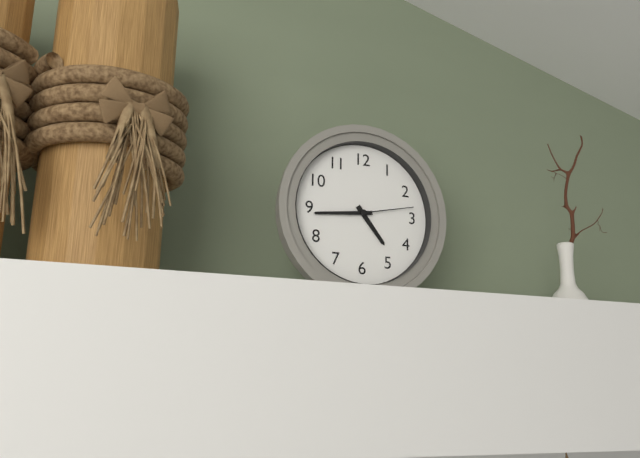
4:44:13
